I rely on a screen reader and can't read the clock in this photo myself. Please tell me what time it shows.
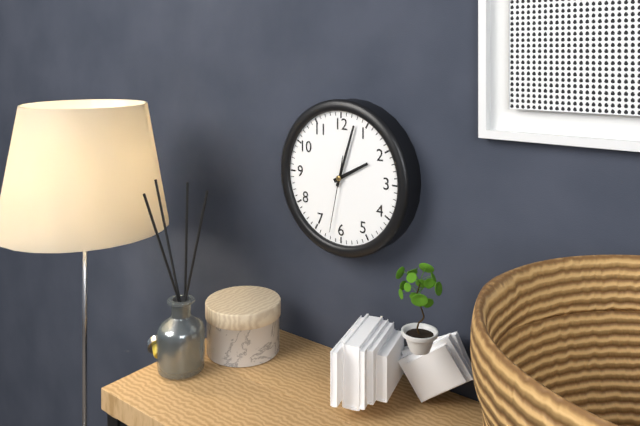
2:03:32
